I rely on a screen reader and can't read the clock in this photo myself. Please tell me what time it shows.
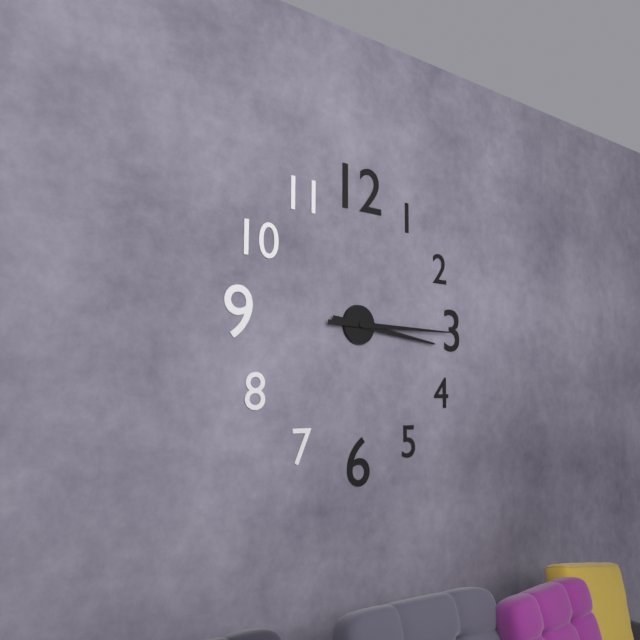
3:15
